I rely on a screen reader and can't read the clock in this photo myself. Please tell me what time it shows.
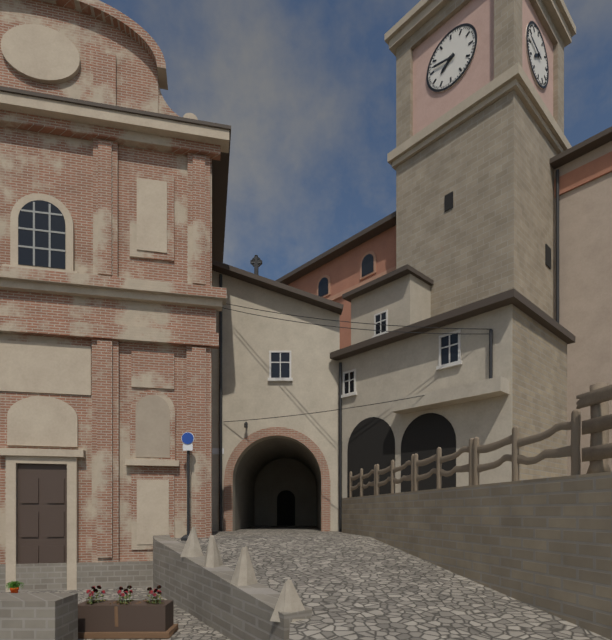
7:47
